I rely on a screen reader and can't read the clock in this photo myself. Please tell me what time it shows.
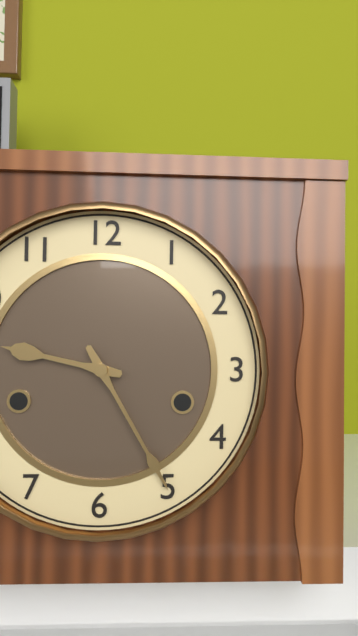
9:25
